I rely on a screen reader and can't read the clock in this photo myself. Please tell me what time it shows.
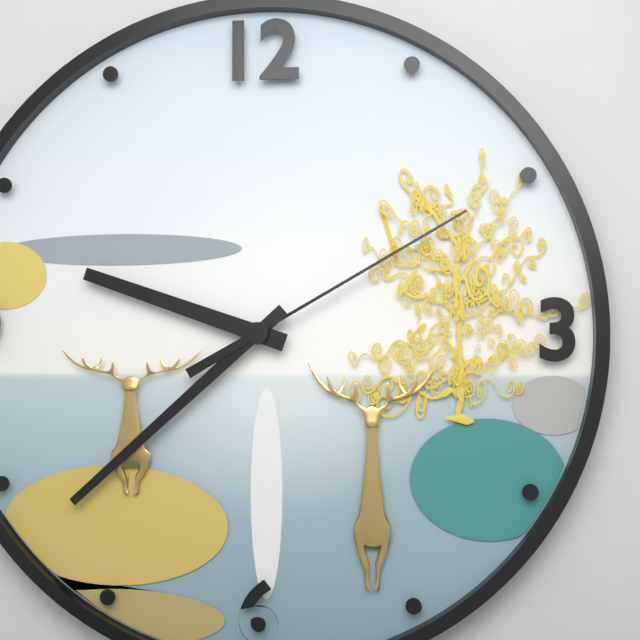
9:38:10
